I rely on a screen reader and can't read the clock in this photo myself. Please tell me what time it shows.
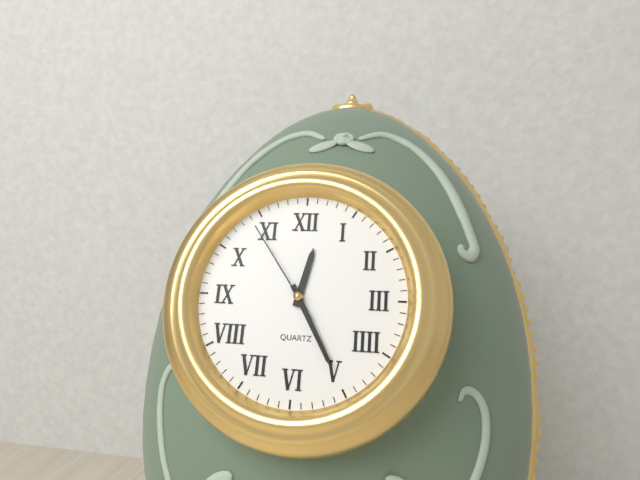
12:25:54
